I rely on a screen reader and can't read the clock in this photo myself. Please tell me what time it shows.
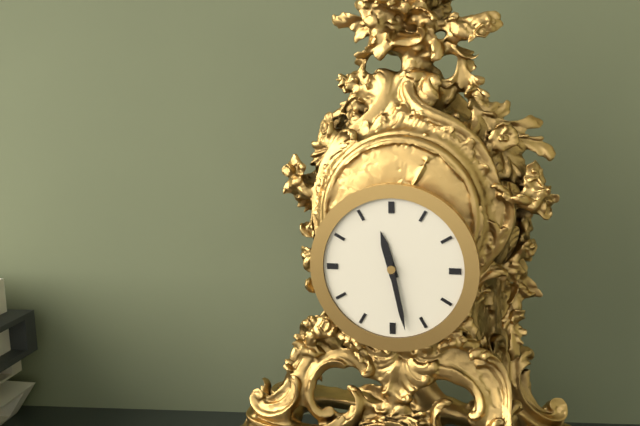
11:28
